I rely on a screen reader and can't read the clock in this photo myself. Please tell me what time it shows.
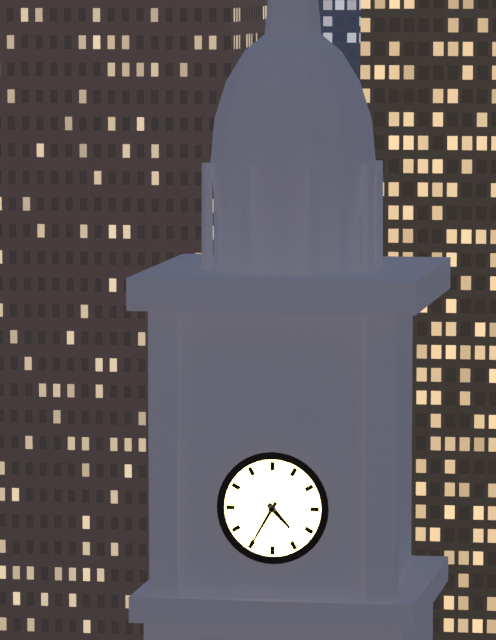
4:35
